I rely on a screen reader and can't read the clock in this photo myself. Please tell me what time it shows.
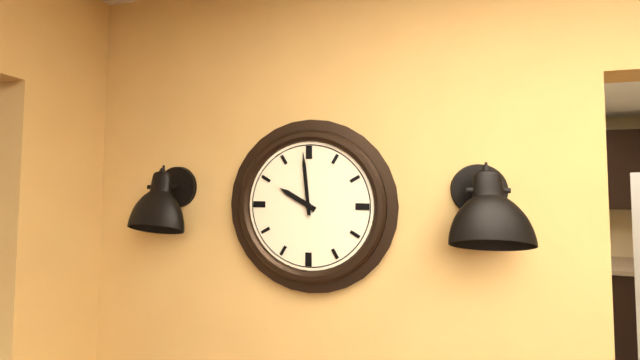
9:59
